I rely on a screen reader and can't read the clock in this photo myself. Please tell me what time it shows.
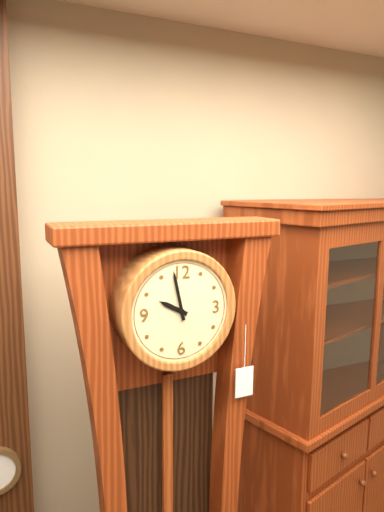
9:58
